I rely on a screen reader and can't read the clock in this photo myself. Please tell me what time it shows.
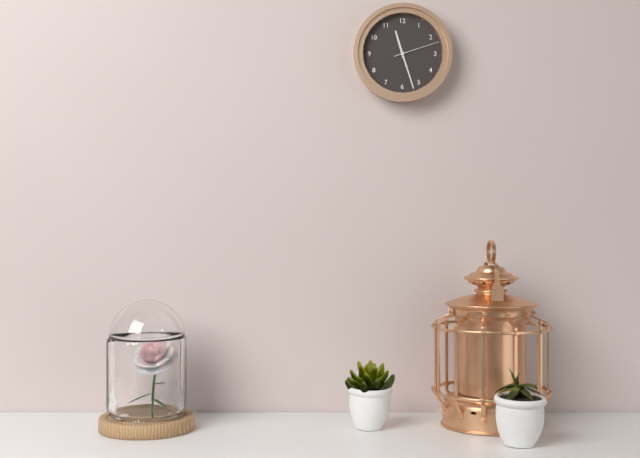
11:27
